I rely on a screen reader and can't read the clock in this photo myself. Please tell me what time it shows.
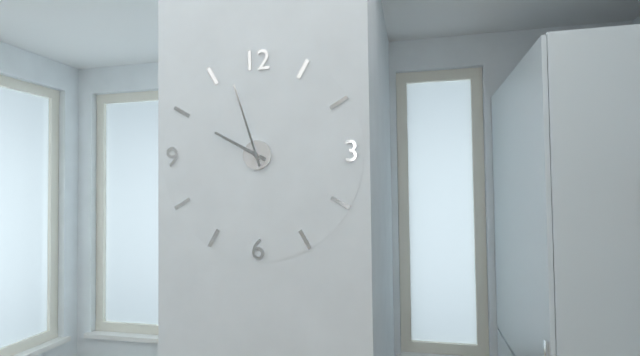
9:57
